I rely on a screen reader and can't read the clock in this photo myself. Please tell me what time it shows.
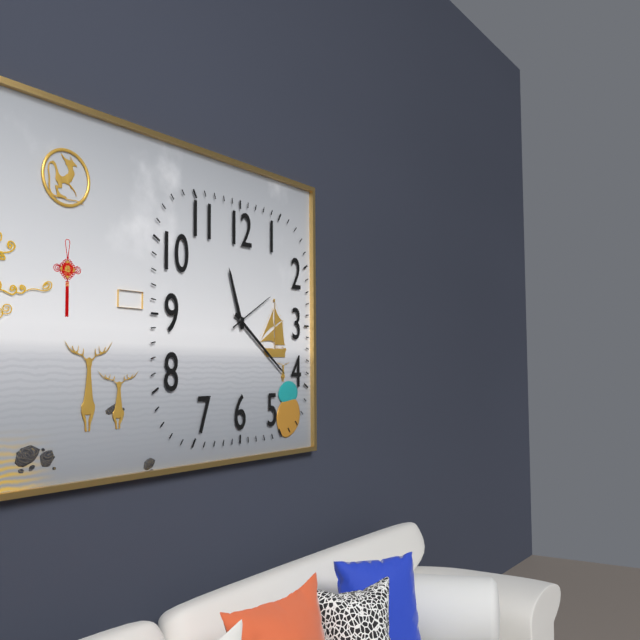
11:21
